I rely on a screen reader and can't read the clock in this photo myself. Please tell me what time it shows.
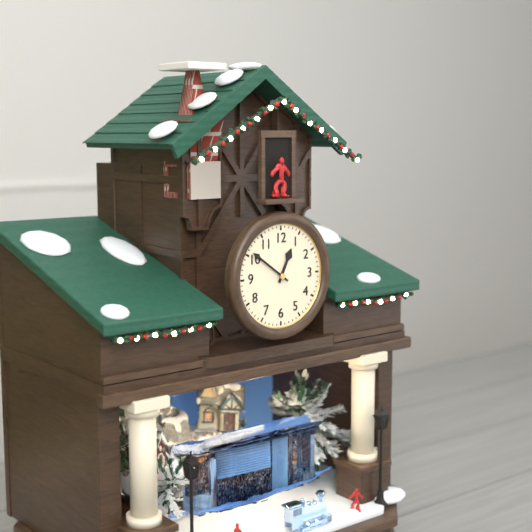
12:51
